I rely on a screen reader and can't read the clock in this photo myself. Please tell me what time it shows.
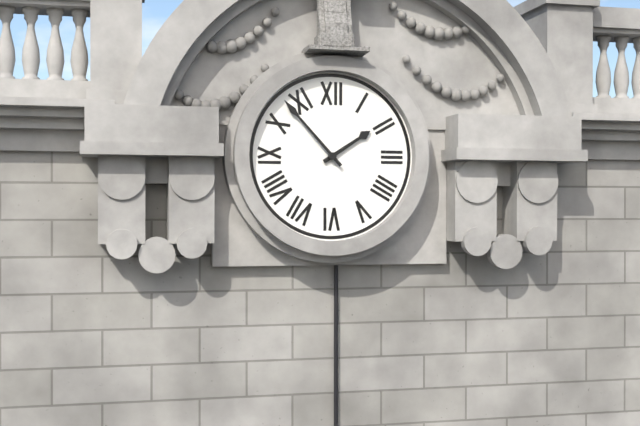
1:53
